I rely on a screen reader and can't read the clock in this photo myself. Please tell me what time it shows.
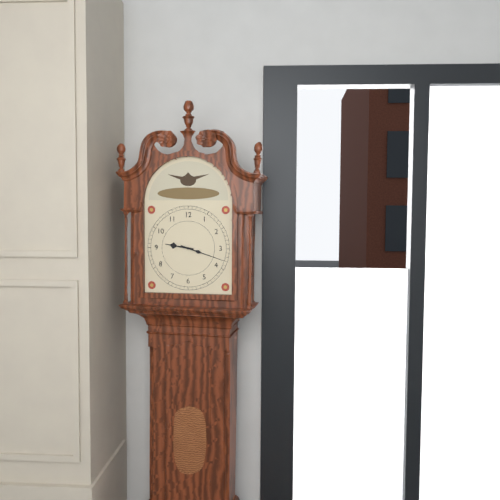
9:18
